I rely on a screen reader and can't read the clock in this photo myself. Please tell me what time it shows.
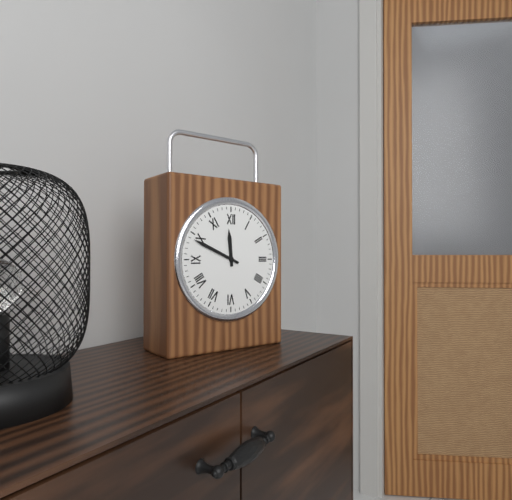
11:49
